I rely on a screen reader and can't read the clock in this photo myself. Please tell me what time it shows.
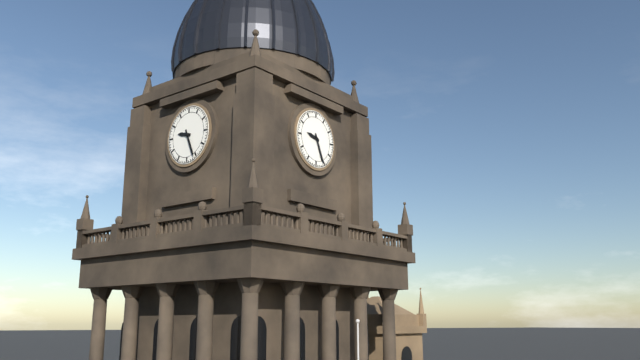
9:26
